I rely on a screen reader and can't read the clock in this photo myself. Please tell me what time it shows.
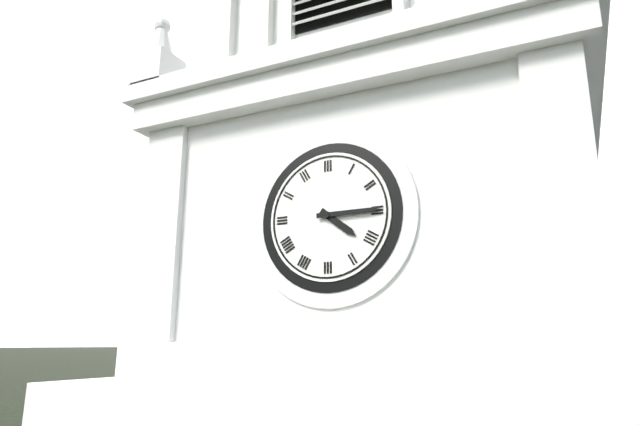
4:15
